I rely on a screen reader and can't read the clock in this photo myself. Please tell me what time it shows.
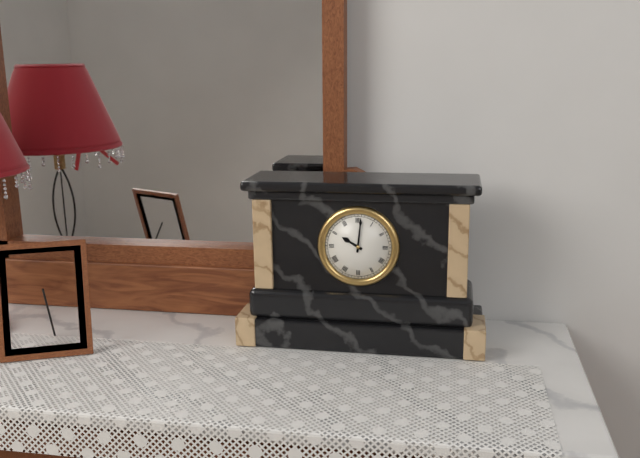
10:01
